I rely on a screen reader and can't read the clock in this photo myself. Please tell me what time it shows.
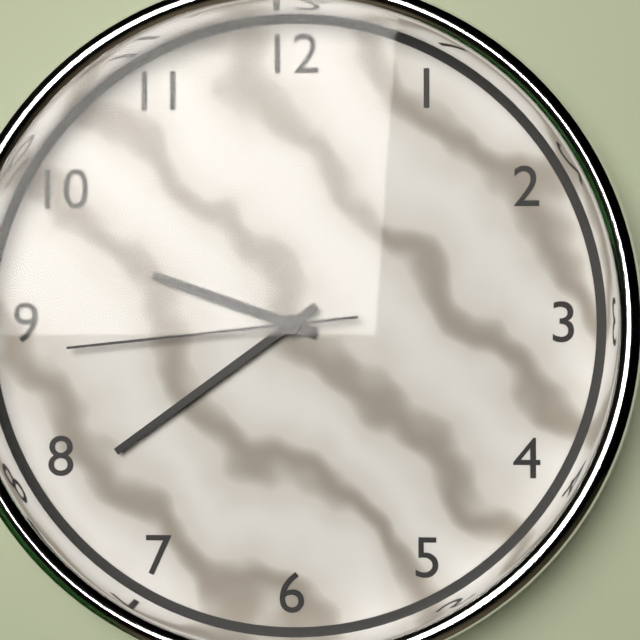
9:39:44
